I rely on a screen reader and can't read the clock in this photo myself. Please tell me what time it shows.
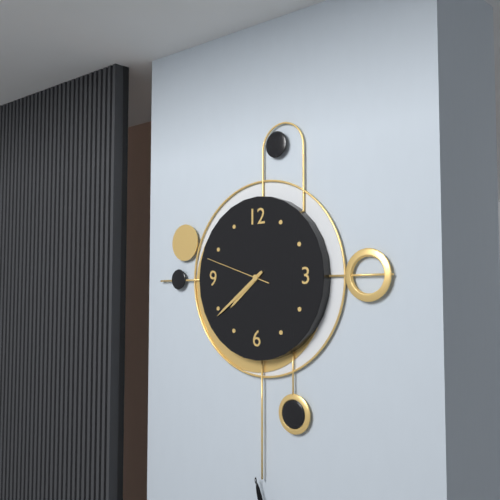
7:39:48
